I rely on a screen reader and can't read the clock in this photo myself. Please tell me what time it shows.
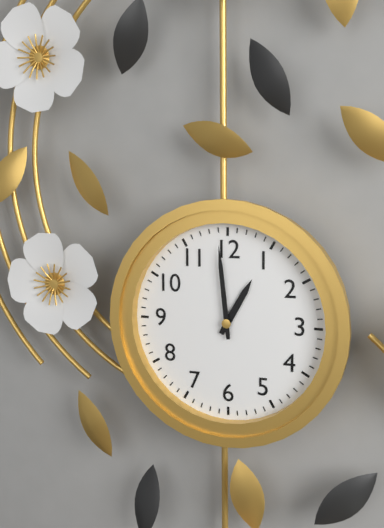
12:59
